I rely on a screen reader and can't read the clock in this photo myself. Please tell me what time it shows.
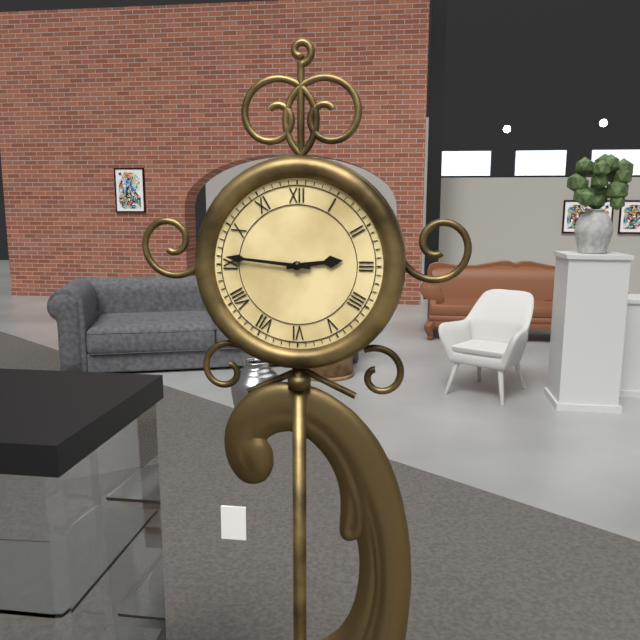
2:46
